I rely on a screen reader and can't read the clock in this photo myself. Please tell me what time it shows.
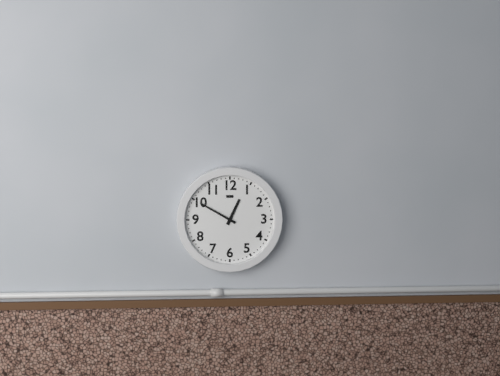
12:50
